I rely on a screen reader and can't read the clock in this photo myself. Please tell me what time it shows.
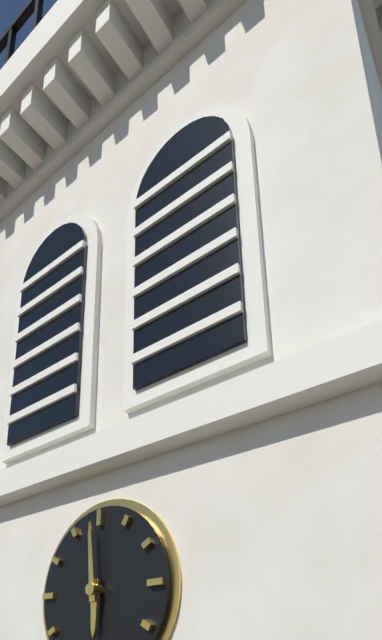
5:59
